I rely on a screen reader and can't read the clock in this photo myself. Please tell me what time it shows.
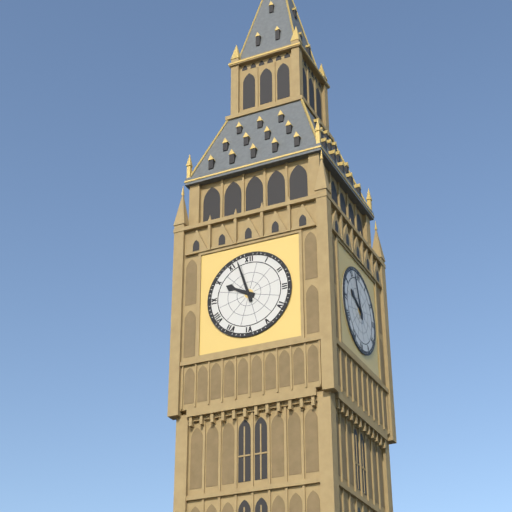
9:57
